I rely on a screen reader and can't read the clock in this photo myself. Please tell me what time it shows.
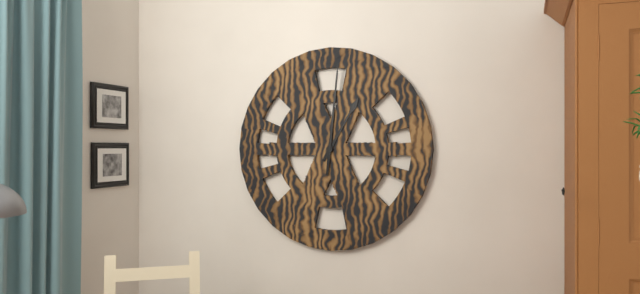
1:01
